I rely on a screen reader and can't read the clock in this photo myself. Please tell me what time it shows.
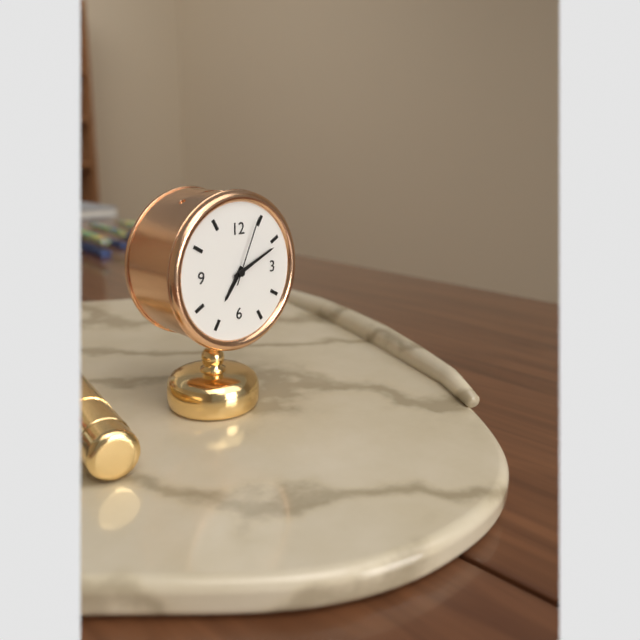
7:11:04
